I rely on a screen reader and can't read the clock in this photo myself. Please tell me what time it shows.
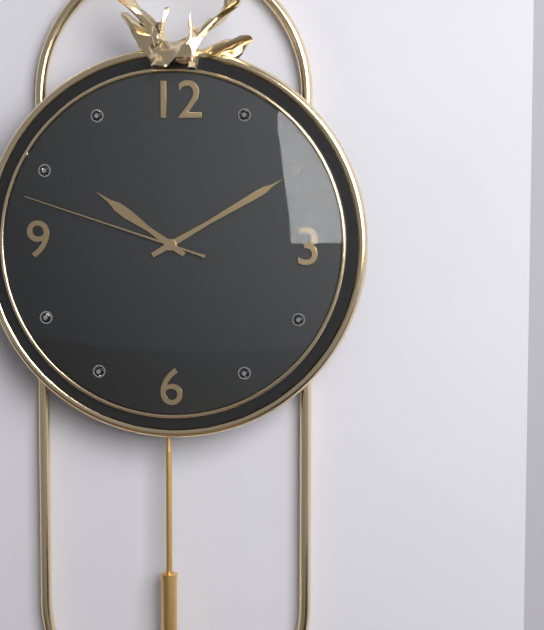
10:10:48
